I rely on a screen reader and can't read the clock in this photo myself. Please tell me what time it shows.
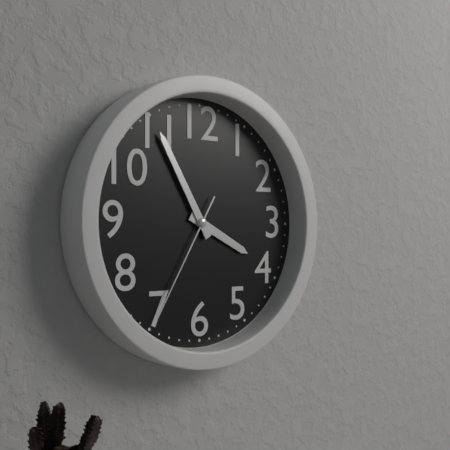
3:55:35
